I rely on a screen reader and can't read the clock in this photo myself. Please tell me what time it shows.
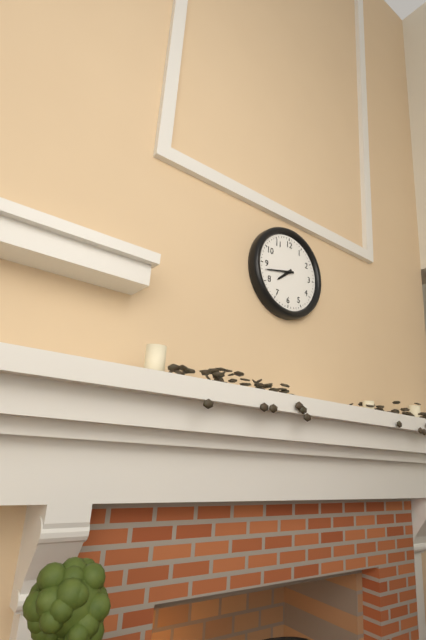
7:43
